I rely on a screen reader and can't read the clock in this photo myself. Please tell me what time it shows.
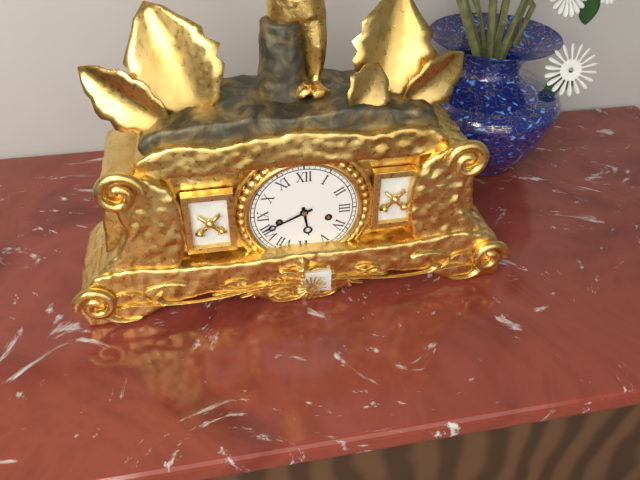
5:41
